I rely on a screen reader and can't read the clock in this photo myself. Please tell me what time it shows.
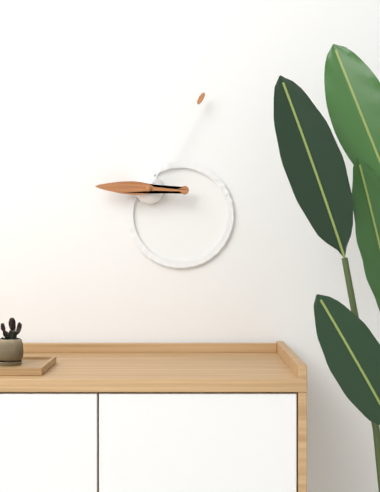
9:05
